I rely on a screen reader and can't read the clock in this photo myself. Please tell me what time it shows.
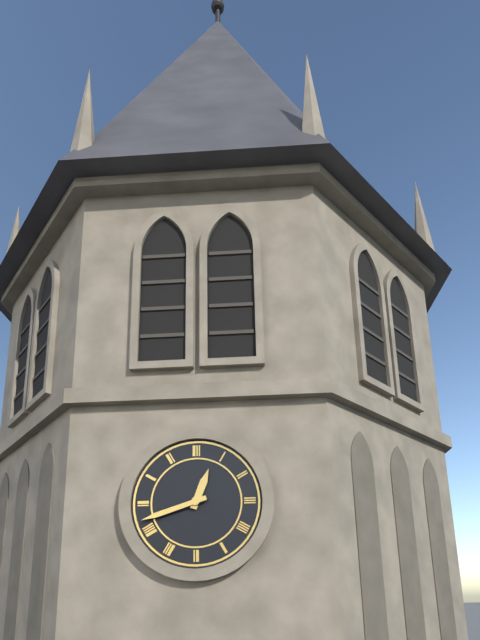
12:42
